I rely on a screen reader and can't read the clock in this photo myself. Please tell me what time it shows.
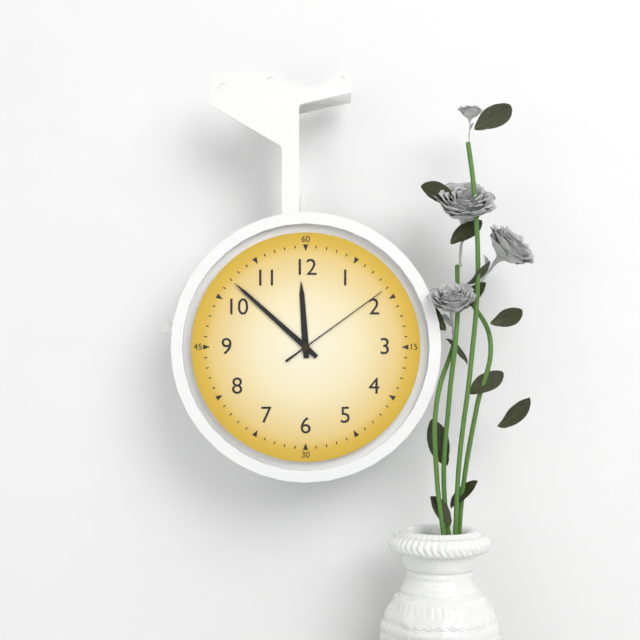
11:52:09
